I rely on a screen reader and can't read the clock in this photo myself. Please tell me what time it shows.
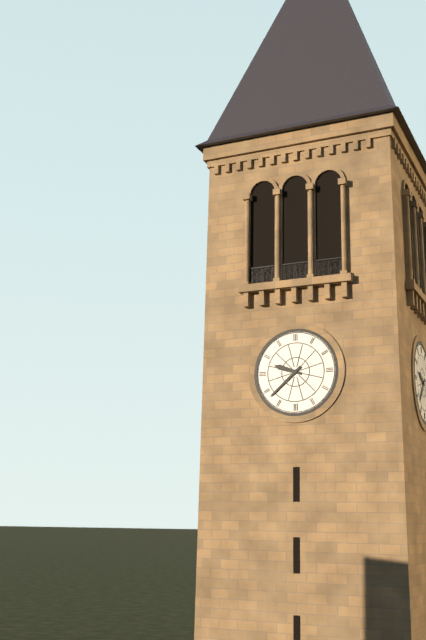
9:38
